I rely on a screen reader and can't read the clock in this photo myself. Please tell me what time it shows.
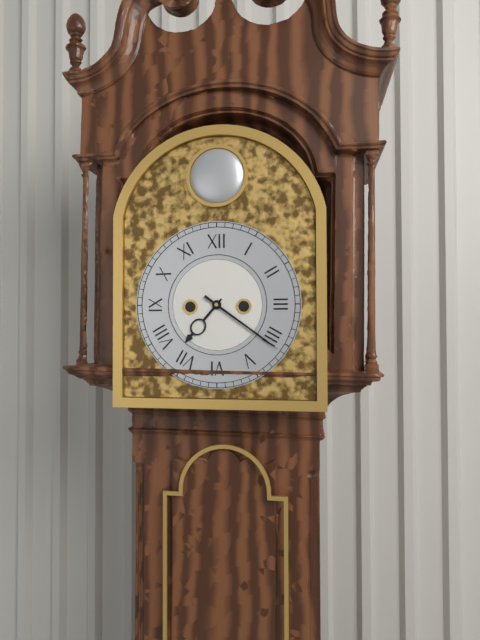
7:21
